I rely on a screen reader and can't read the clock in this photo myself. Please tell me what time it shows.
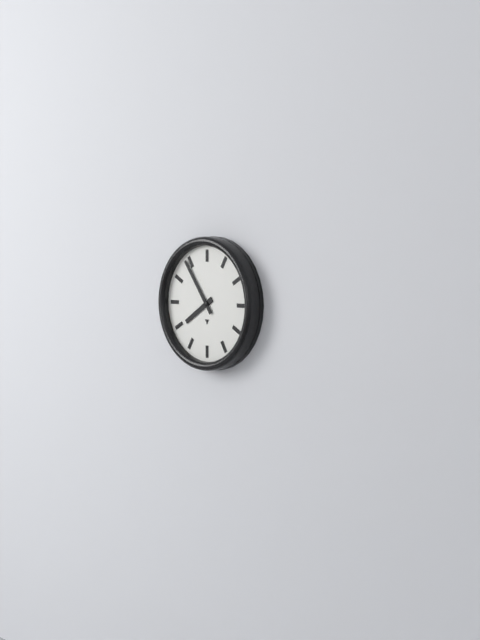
7:54
